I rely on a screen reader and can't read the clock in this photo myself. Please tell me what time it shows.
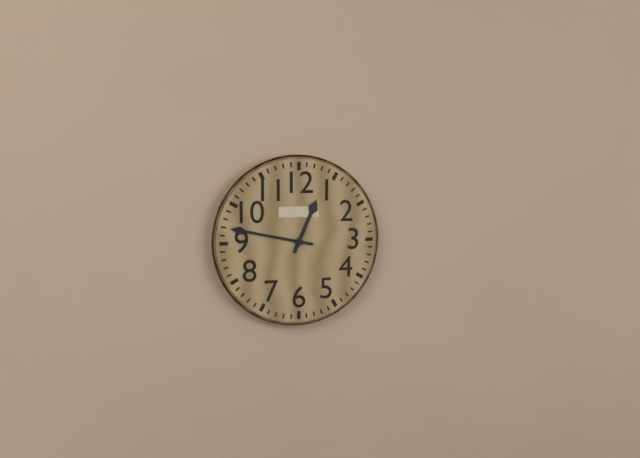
12:47
